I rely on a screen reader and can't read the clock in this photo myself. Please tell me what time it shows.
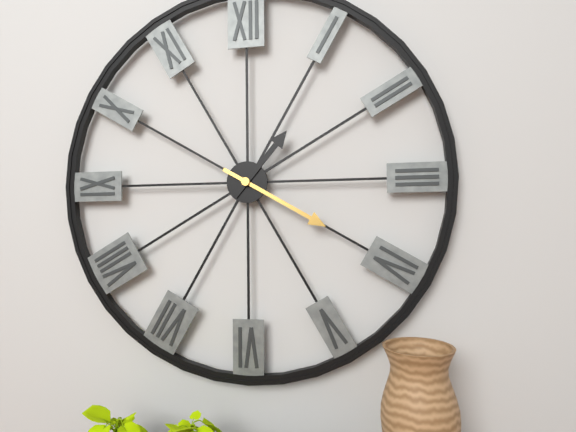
1:20
